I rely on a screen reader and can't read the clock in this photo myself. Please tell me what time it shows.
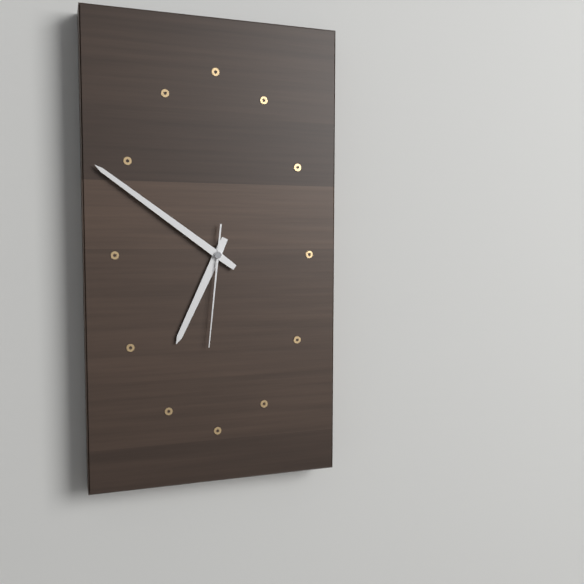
6:51:31
